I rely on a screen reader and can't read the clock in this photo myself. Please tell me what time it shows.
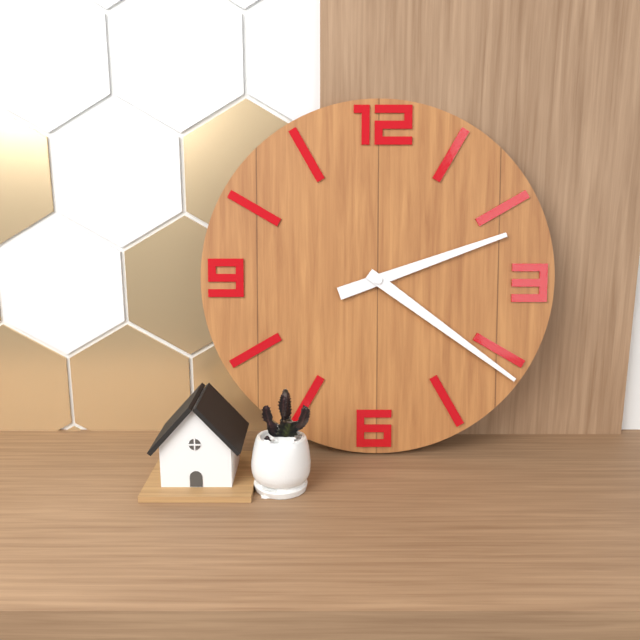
2:21
